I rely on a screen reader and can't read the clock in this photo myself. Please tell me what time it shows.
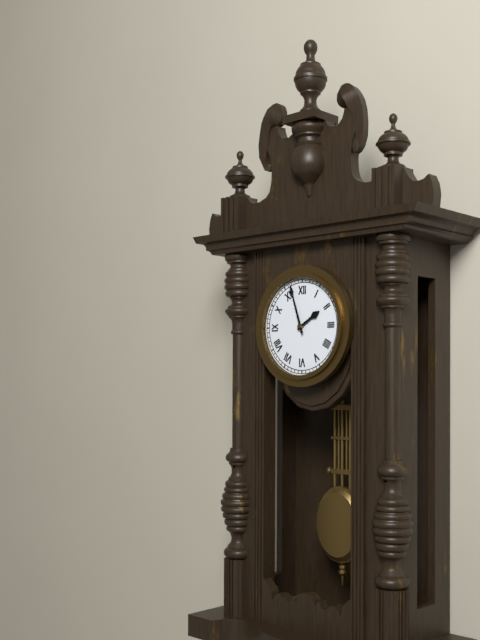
1:57
